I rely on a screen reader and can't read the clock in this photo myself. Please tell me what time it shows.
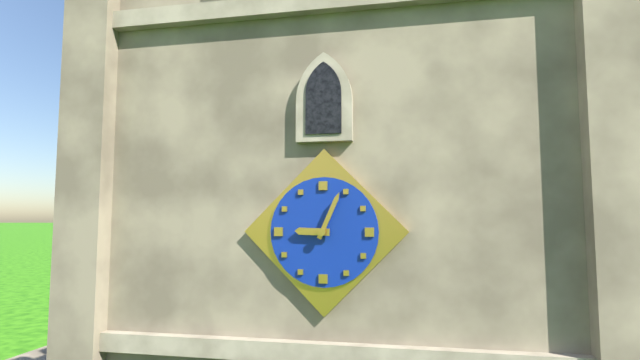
9:04
